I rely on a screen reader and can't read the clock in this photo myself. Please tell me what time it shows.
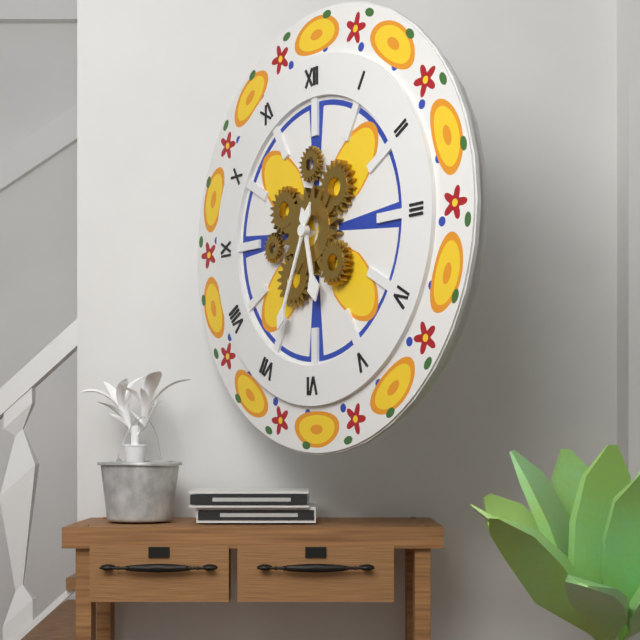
5:34
